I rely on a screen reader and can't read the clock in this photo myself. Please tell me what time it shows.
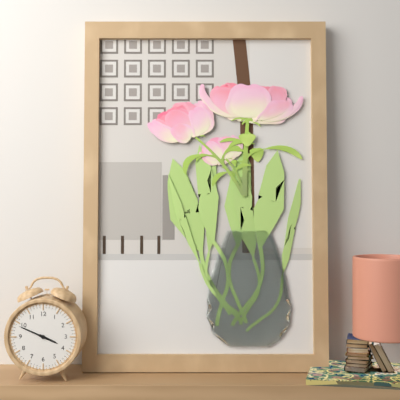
3:49
